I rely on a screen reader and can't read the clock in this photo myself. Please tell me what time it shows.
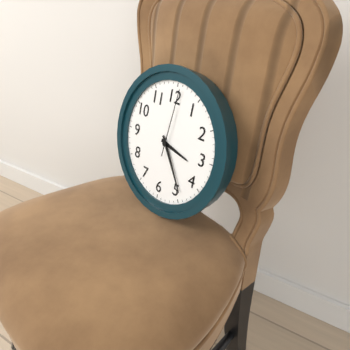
3:24:01
